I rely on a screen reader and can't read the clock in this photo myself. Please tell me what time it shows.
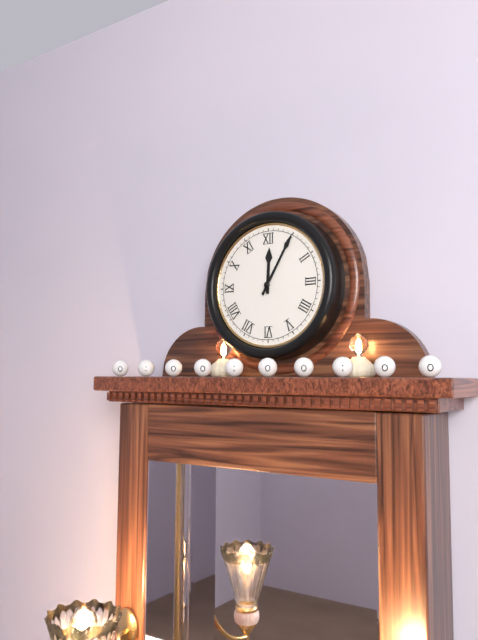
12:05
